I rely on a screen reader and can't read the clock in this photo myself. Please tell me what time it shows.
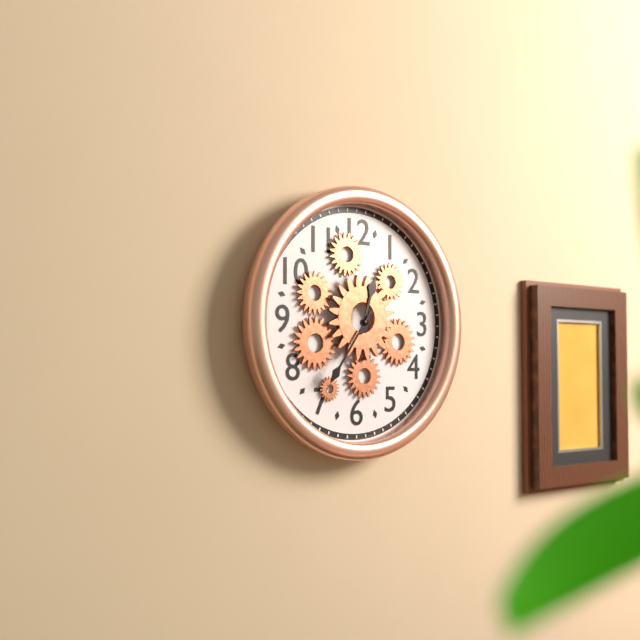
12:36
